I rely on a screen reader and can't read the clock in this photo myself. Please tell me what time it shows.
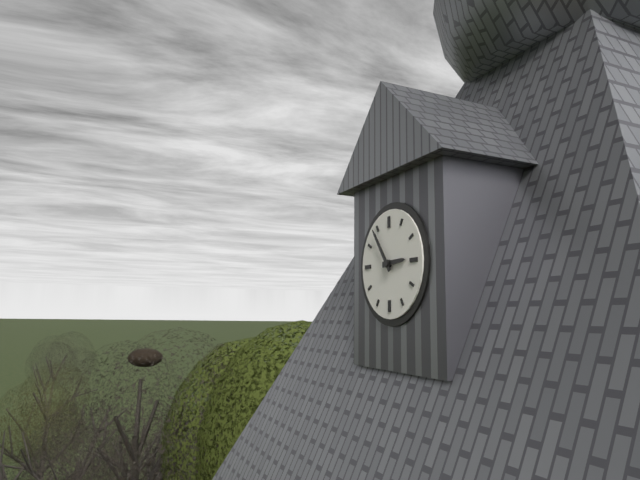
2:54
